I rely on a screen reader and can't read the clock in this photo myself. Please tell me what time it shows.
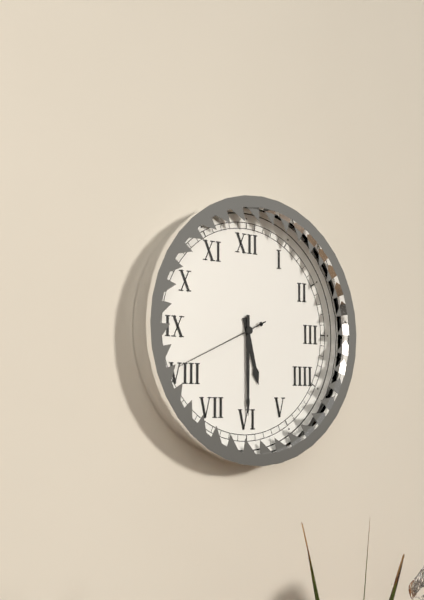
5:30:41
